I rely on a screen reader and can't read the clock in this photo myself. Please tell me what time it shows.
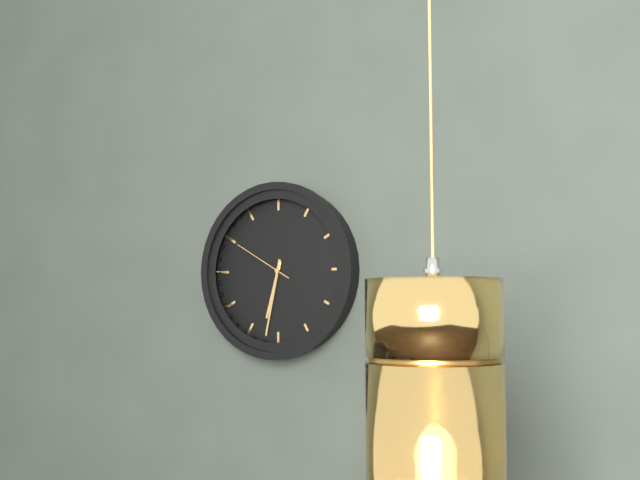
6:32:50
